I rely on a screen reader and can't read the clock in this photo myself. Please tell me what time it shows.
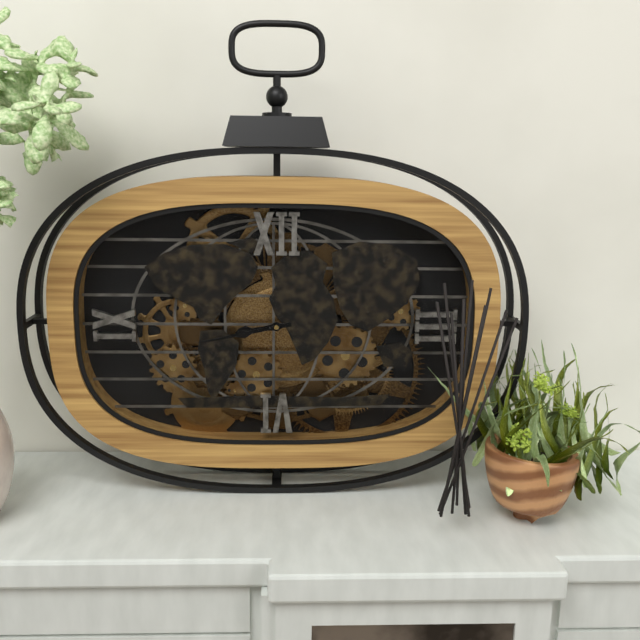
8:43
